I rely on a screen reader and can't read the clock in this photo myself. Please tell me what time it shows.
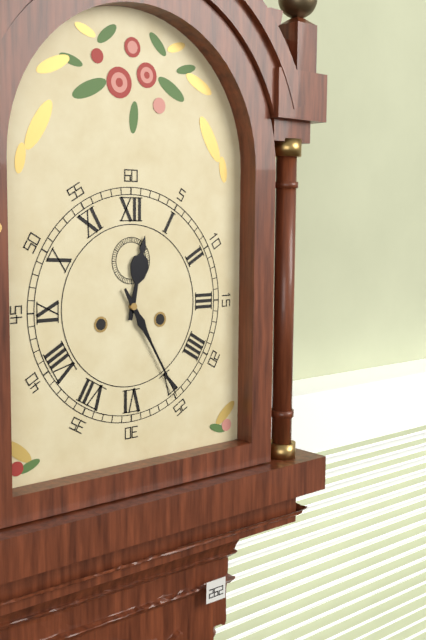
12:25
